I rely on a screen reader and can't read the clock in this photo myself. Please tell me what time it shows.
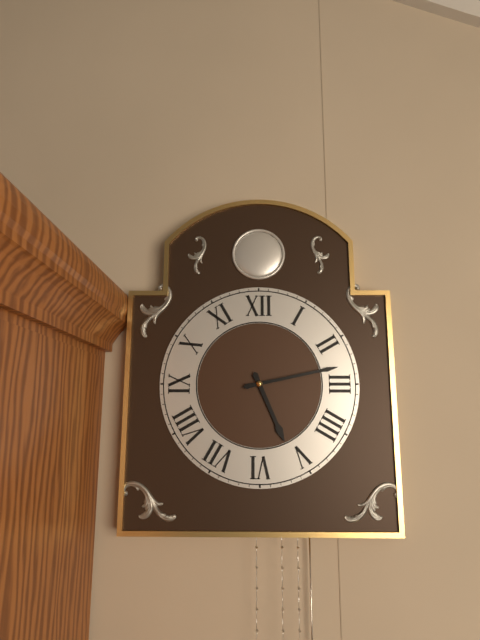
5:13
